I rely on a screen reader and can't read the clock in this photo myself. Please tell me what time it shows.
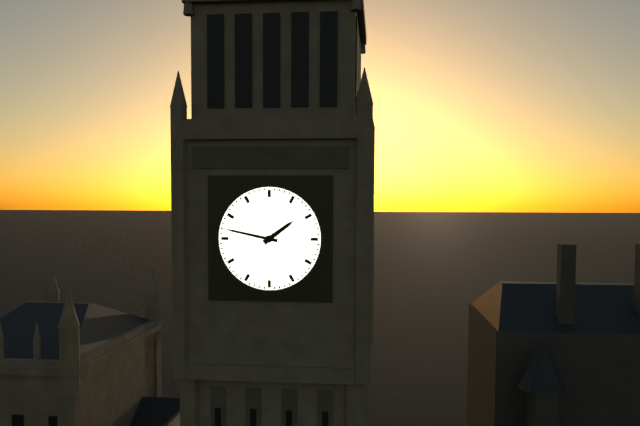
1:47
